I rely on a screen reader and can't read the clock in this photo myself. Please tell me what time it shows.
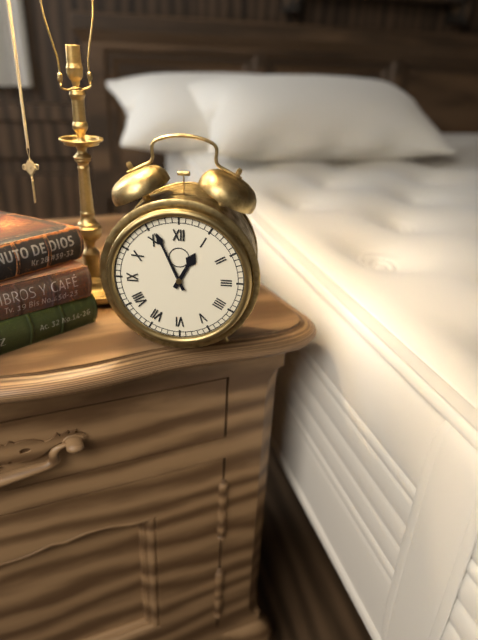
12:56
